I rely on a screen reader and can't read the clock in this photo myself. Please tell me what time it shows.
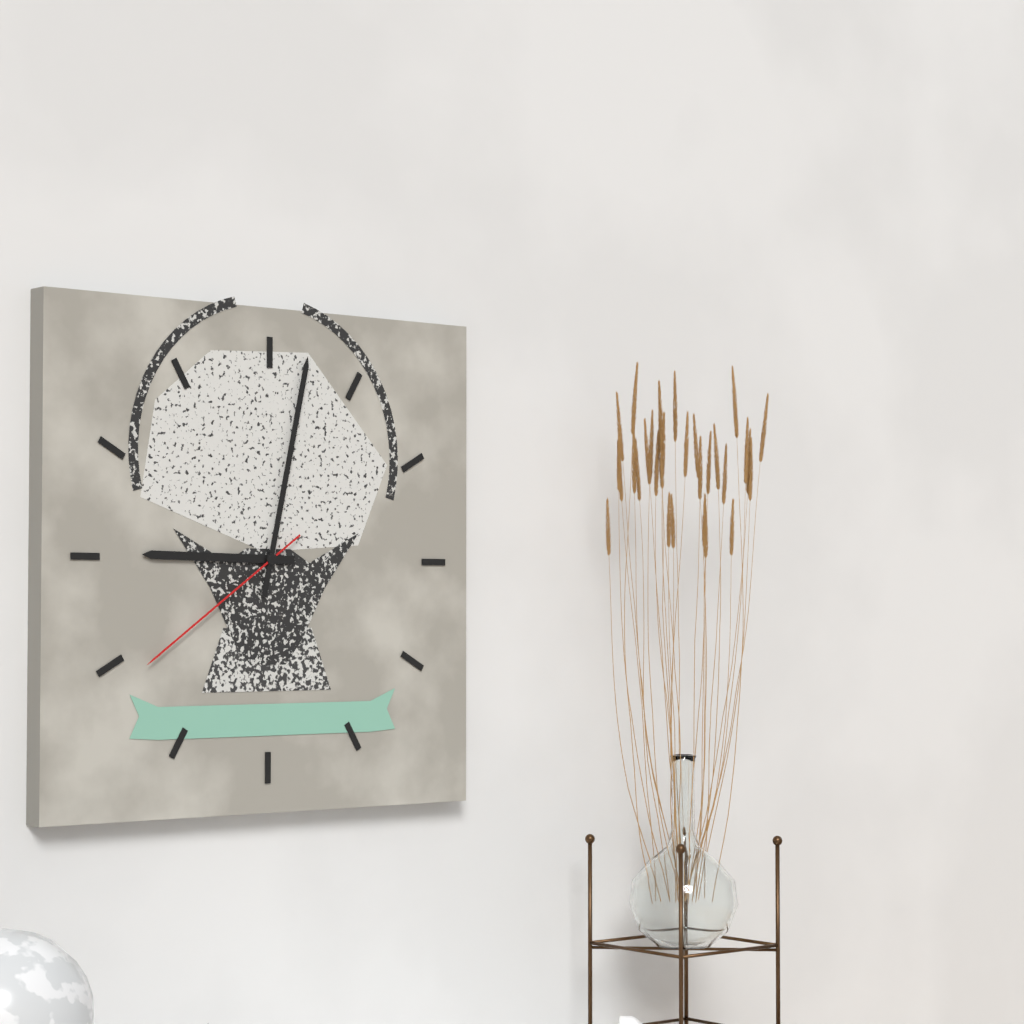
9:02:39
